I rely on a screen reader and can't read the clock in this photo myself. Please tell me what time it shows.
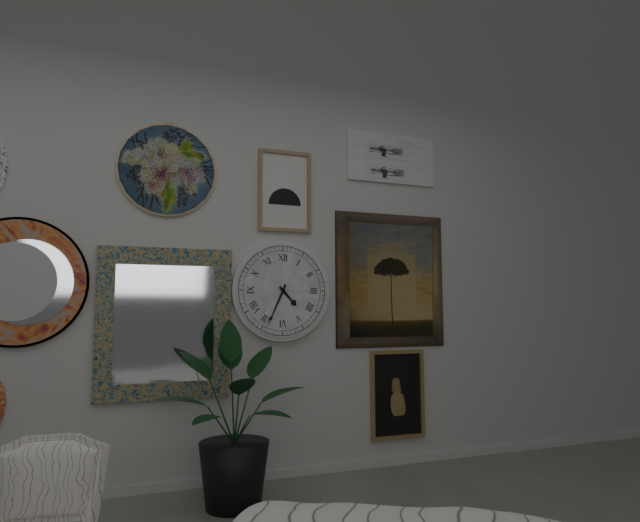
4:34
